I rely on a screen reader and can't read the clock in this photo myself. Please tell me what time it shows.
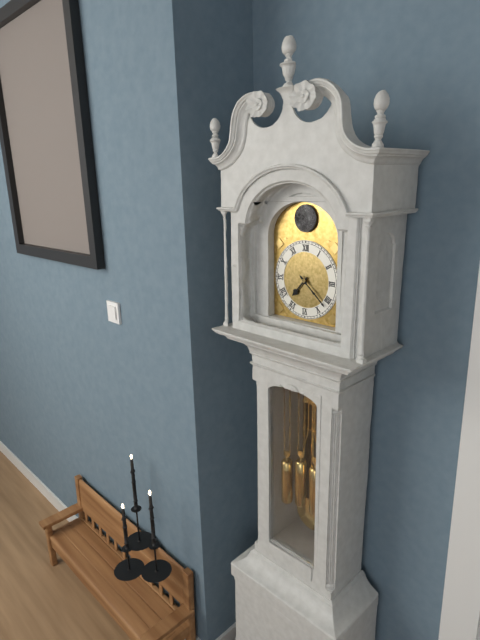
7:22
